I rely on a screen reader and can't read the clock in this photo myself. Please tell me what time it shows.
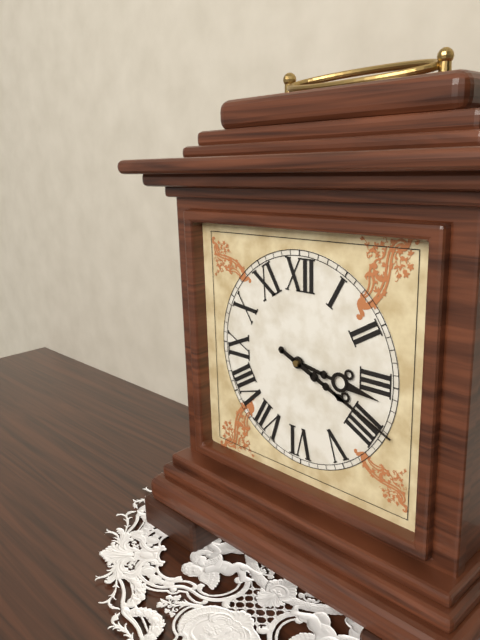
3:19
